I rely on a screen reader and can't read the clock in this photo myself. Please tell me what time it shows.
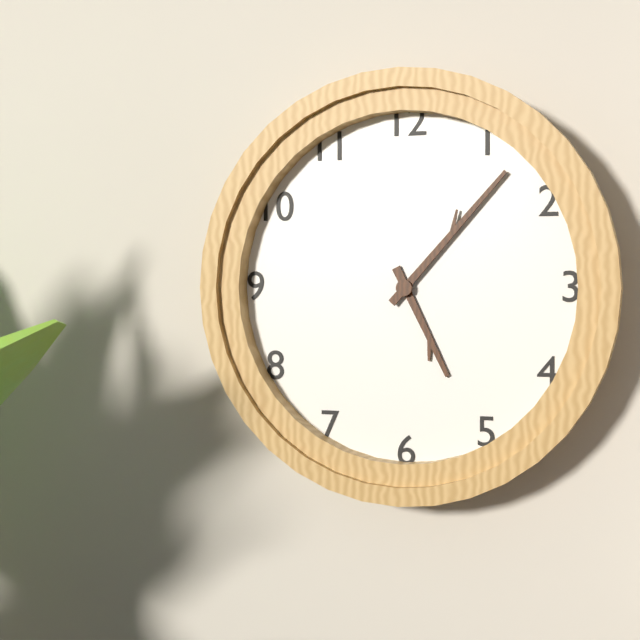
5:07
